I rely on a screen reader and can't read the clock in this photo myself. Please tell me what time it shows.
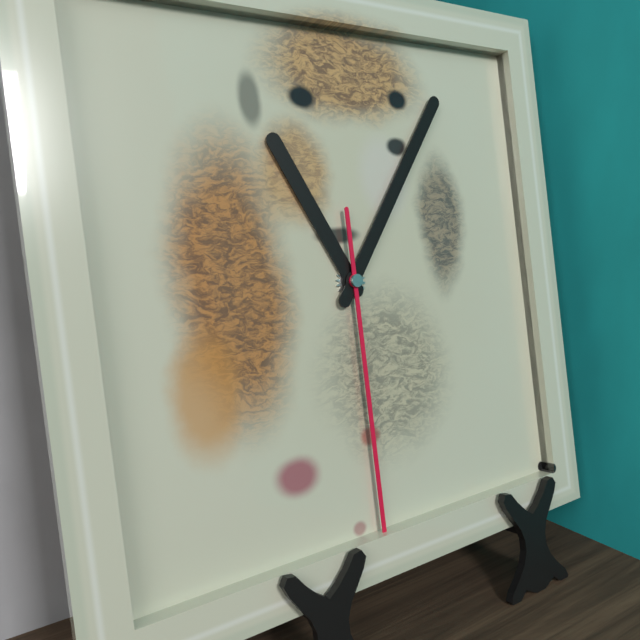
11:06:30
